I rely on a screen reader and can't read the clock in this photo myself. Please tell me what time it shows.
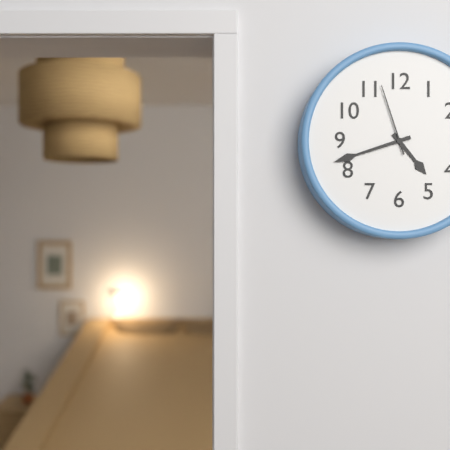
4:42:57
